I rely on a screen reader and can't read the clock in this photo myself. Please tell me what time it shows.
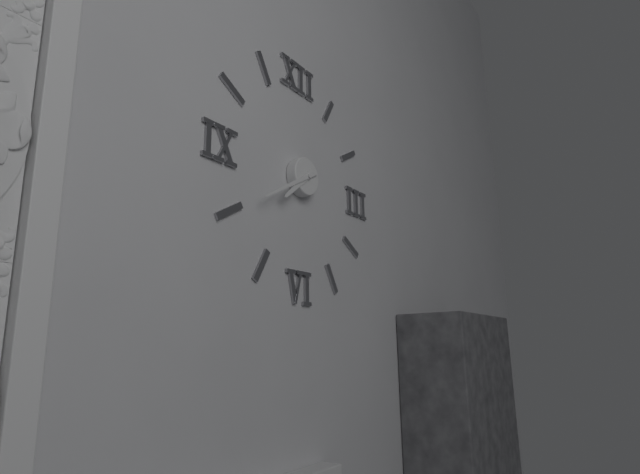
7:40
